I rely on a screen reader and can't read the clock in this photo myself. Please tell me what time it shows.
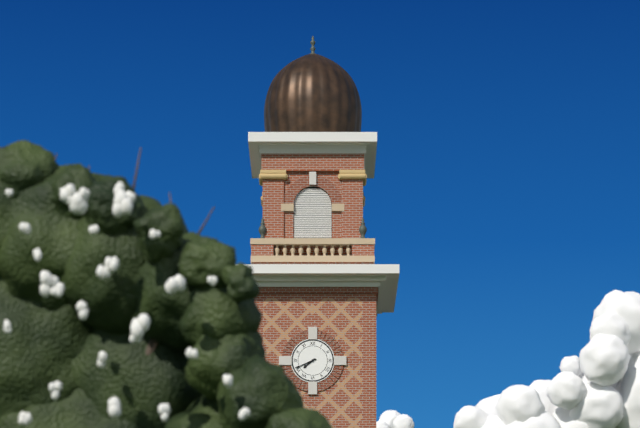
7:41
